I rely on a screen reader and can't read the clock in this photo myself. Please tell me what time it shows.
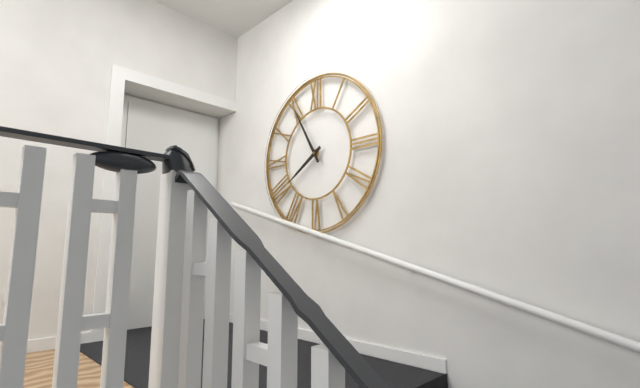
7:55
